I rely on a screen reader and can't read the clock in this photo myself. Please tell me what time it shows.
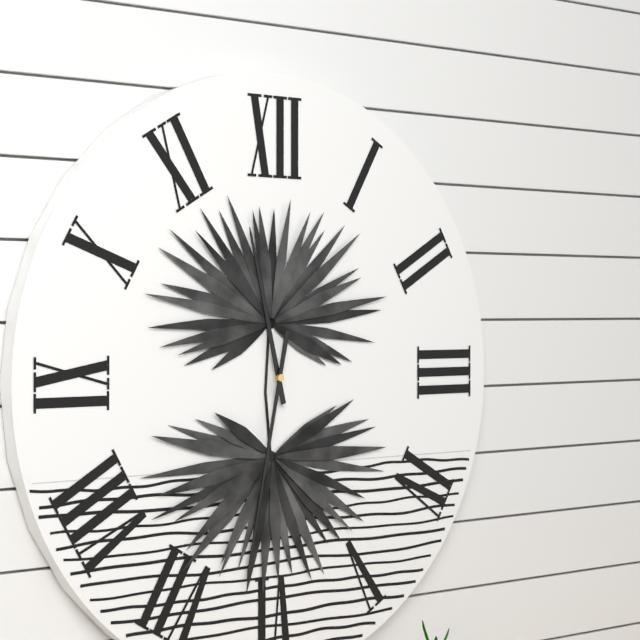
11:32
